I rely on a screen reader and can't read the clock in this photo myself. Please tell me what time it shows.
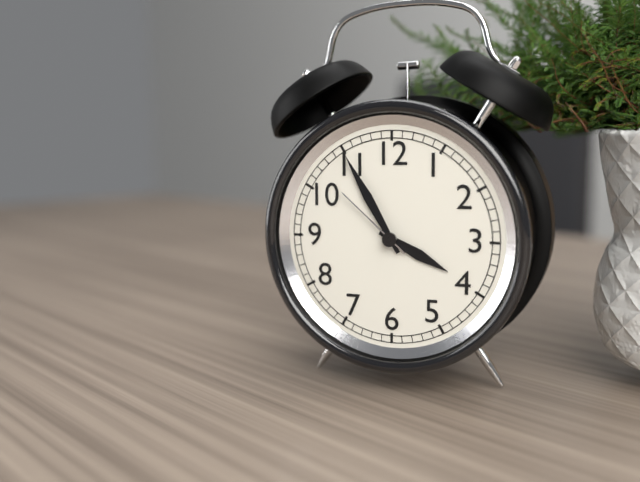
3:55:52
